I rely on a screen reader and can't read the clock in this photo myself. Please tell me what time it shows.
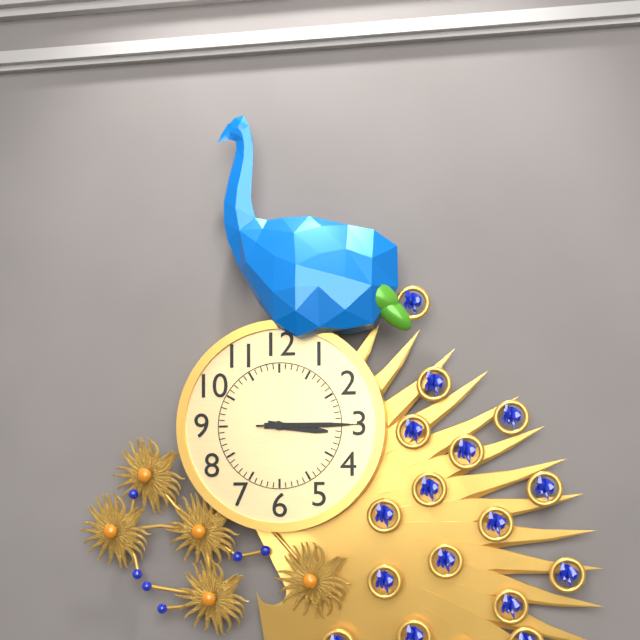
3:15:15
